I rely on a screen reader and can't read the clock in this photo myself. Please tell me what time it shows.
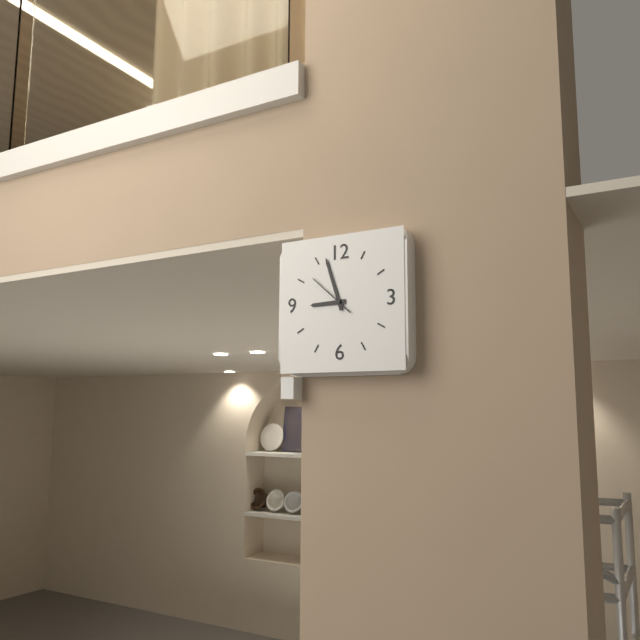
8:57
